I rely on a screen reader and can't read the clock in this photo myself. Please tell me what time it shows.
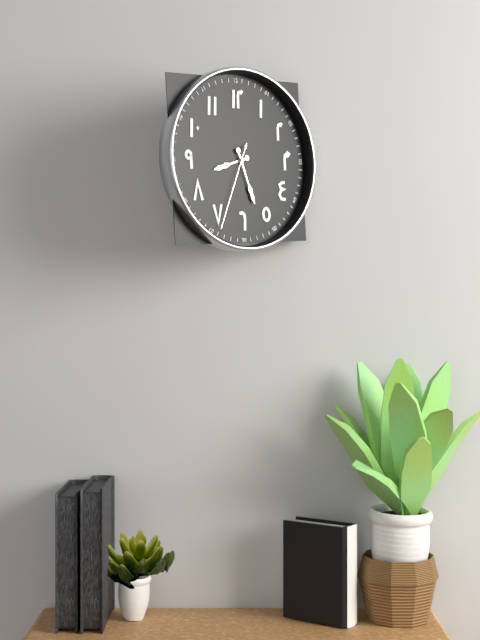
8:27:34
